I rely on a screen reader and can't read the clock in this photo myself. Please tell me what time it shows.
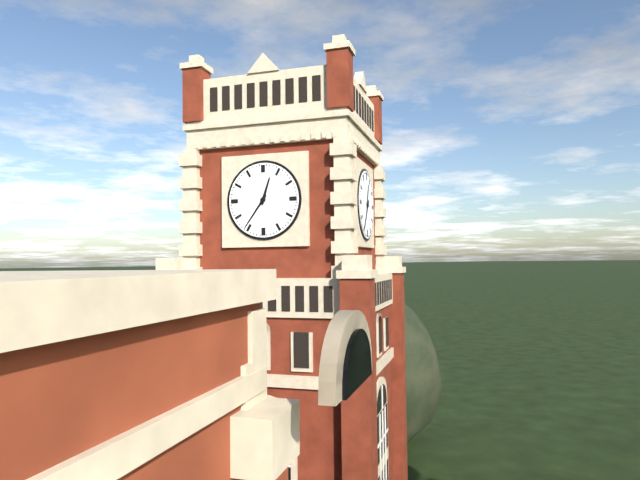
12:36
